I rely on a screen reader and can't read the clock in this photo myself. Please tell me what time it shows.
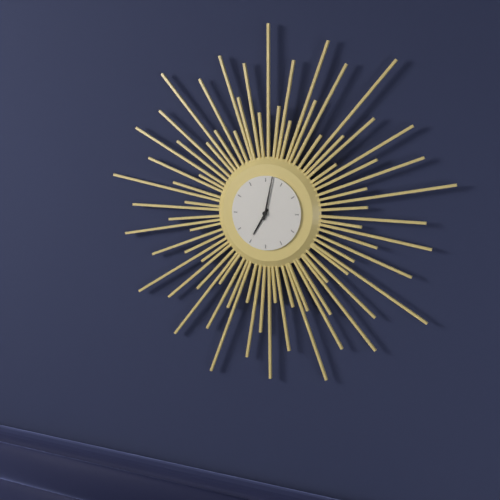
7:02
